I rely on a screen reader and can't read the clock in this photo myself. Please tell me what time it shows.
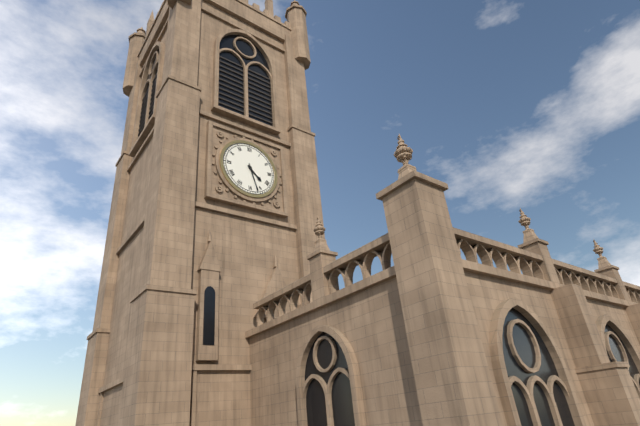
4:27
